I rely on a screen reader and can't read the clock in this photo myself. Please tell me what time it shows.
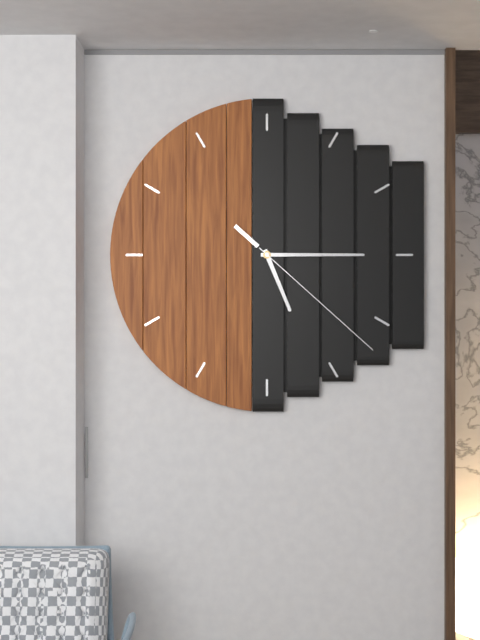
5:15:22
